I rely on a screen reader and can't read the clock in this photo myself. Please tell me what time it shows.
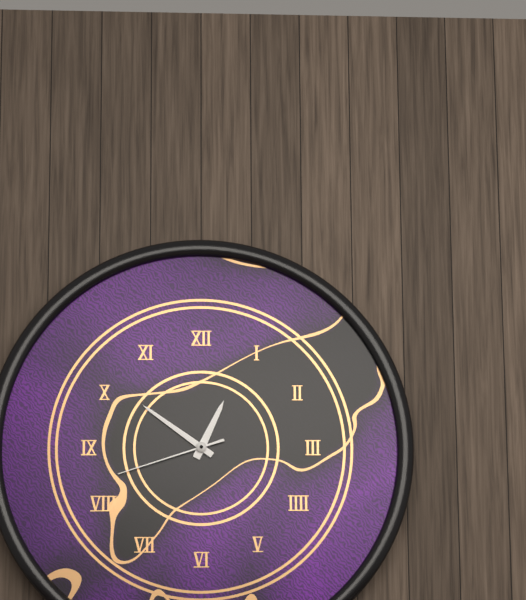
12:51:42
